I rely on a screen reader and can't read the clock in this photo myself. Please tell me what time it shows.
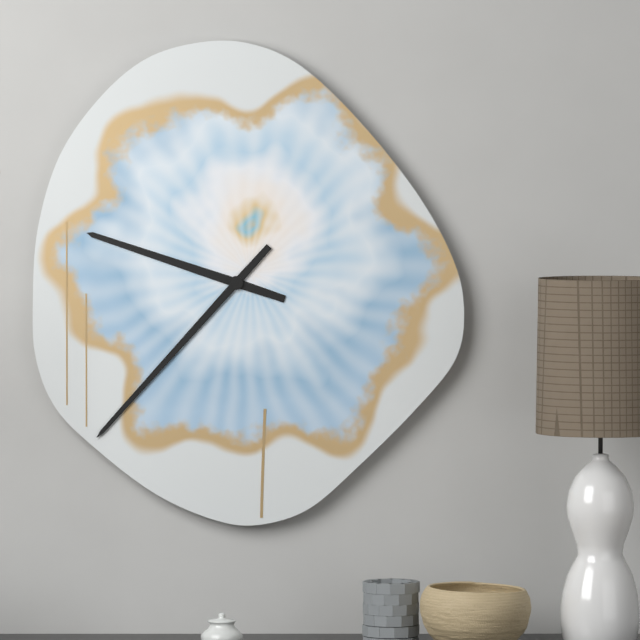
9:37
